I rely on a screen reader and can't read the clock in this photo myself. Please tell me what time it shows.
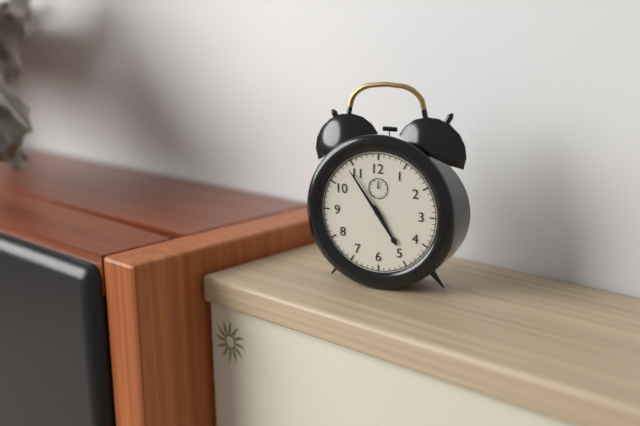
4:54
